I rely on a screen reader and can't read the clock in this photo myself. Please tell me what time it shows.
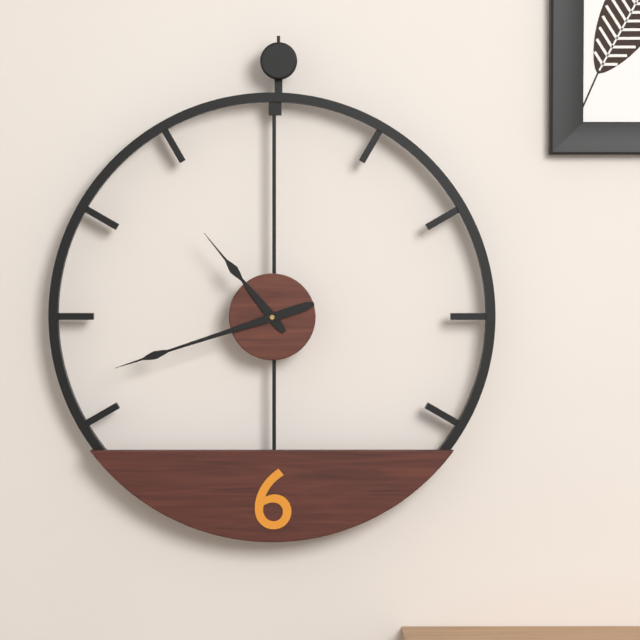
10:42
